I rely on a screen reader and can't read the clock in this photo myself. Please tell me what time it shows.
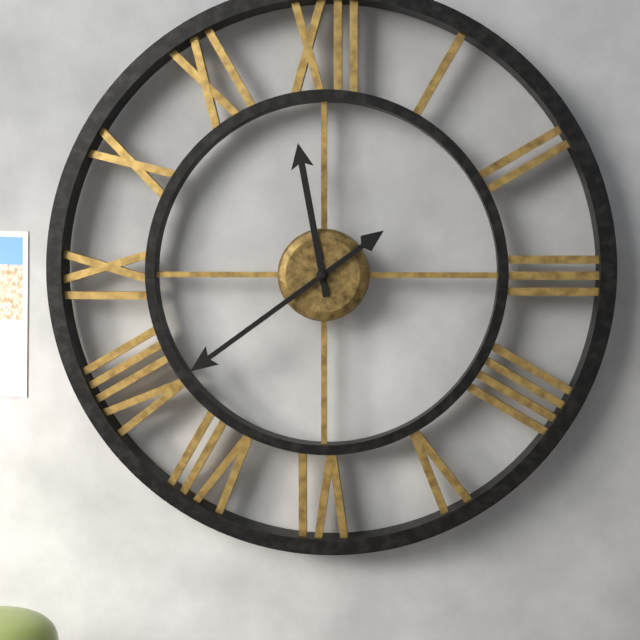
11:39
